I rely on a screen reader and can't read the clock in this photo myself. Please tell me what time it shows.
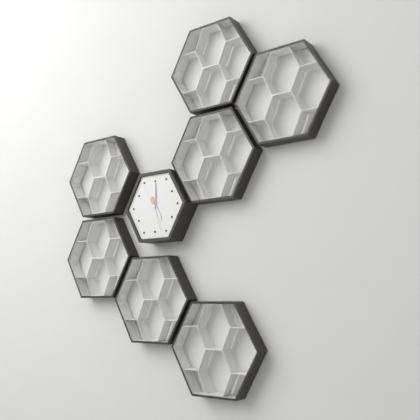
5:00
